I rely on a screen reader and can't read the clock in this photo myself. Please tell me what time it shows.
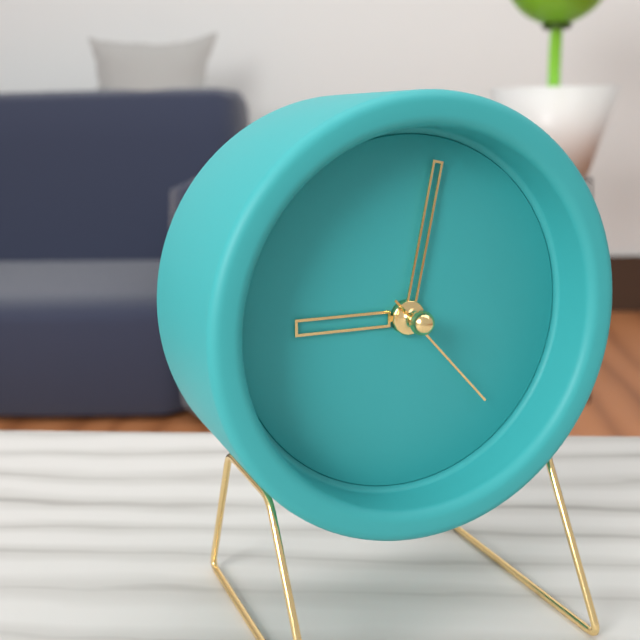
9:02:23
